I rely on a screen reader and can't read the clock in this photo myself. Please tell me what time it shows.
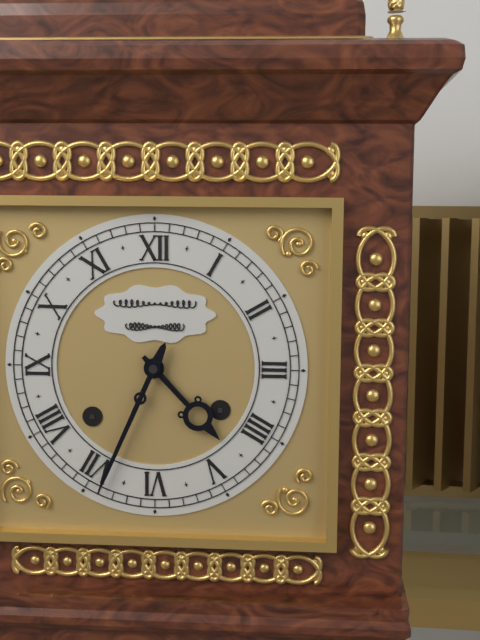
4:34
